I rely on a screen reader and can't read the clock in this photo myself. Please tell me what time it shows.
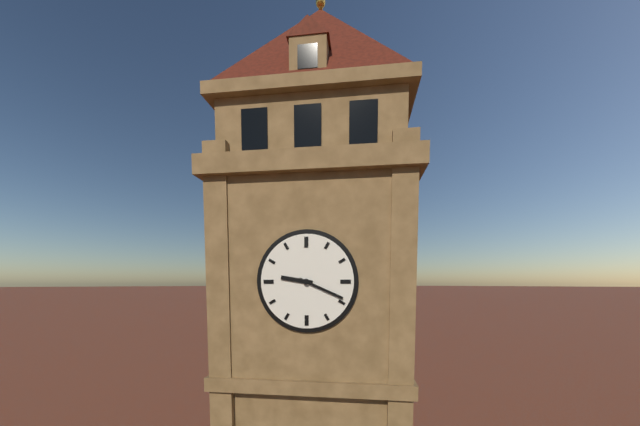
9:19
